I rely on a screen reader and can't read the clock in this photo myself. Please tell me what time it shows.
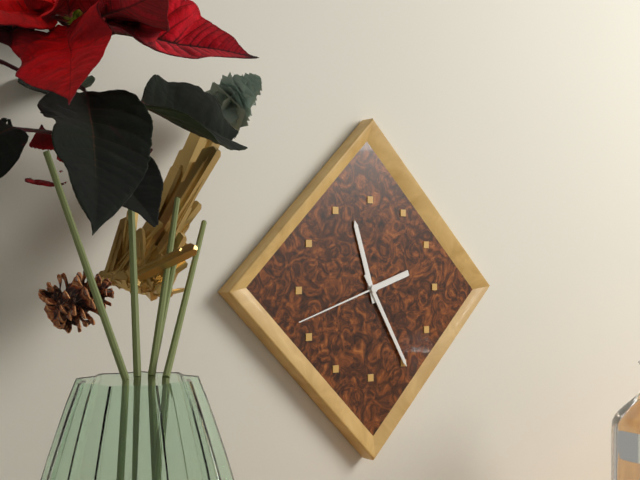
11:25:42
